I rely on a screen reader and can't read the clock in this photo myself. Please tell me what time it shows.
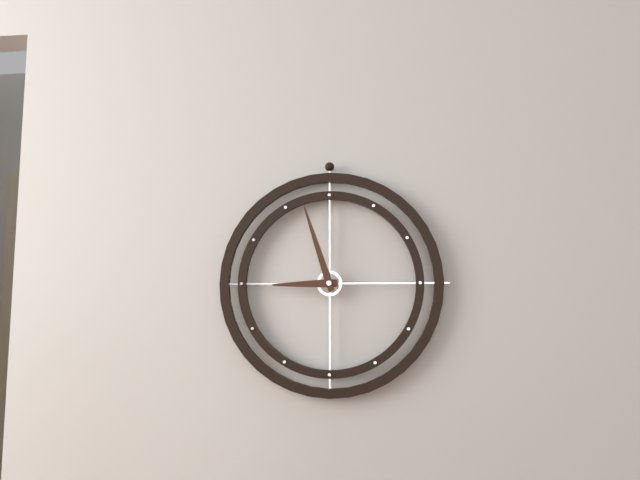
8:57
